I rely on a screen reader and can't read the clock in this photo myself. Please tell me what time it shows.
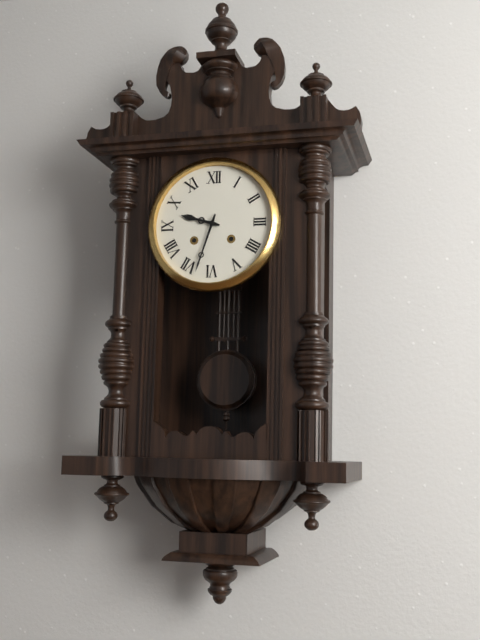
9:33
